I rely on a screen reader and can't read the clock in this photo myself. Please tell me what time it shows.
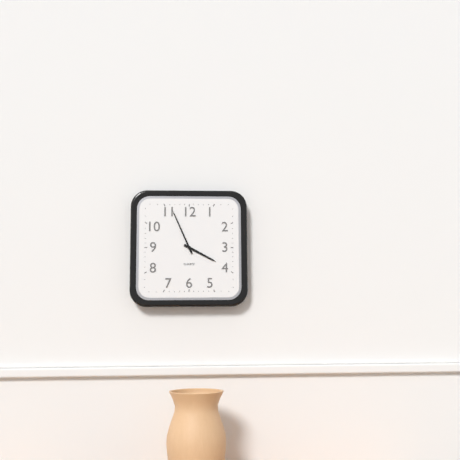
3:56
